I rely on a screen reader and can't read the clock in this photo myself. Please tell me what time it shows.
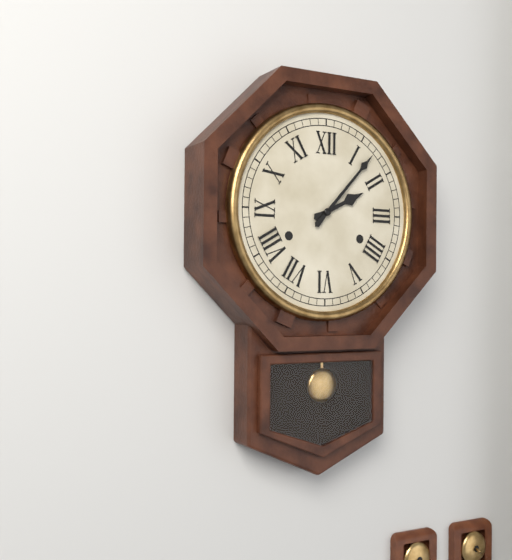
2:07
